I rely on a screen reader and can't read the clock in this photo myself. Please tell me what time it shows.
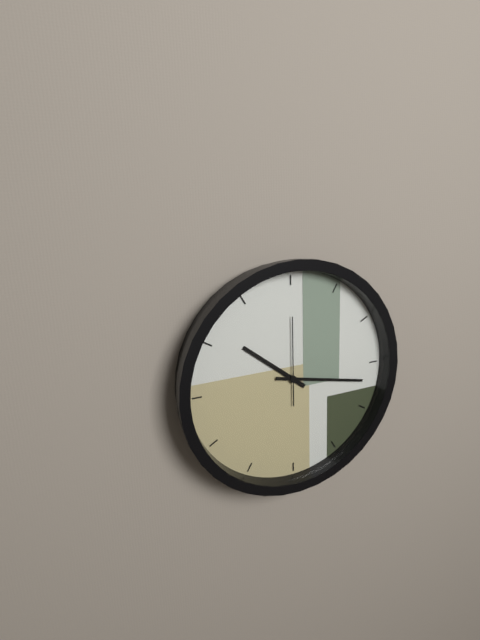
10:17:00
